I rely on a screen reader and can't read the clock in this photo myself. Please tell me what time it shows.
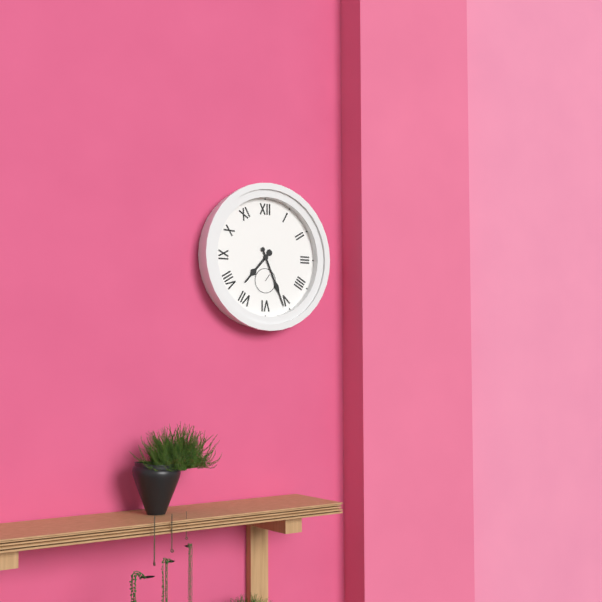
7:26
